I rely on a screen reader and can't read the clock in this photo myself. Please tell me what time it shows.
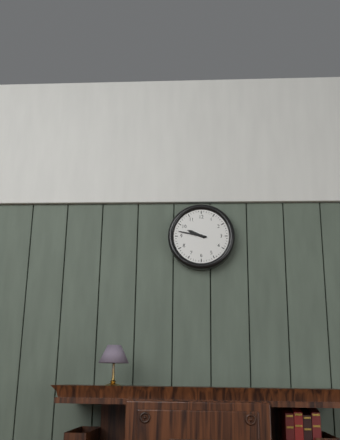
9:47
